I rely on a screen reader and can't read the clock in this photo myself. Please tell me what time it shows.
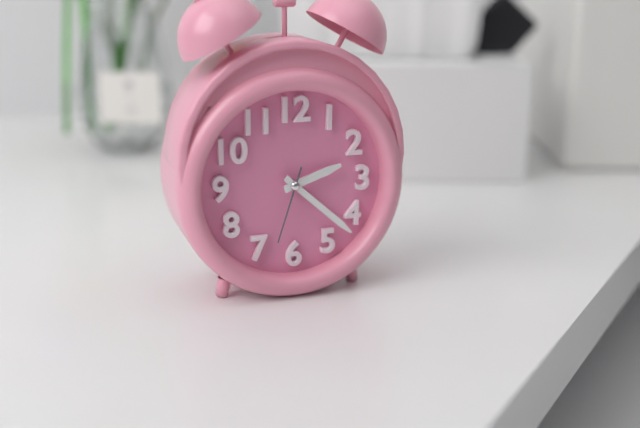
2:22:33
